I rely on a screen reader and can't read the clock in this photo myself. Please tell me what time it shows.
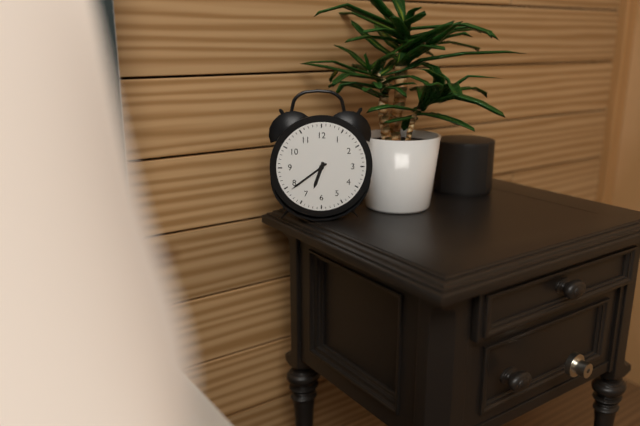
6:39
